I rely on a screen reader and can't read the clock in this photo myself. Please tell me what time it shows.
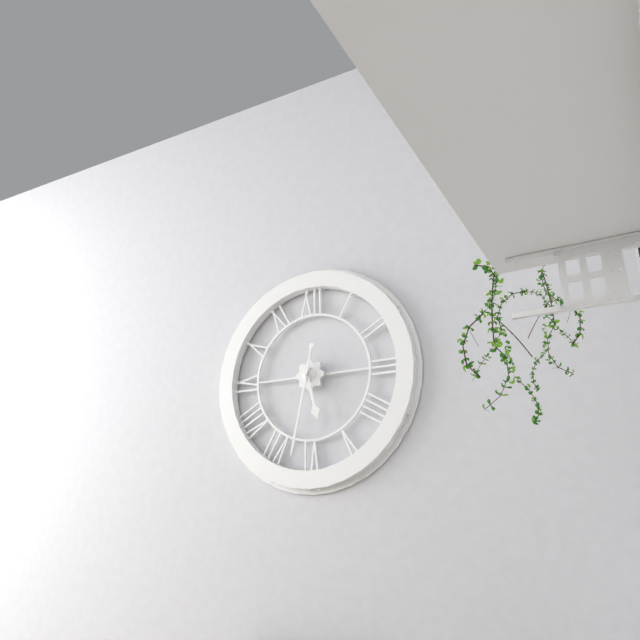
5:32
